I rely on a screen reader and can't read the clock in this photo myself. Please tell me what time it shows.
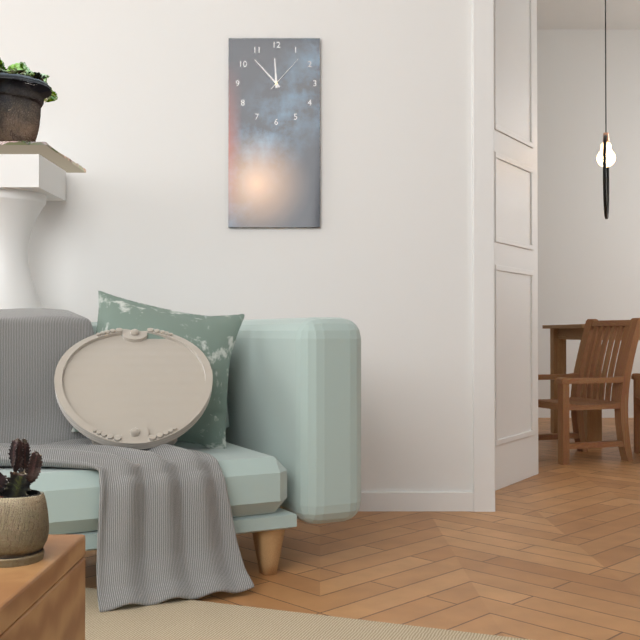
11:53
